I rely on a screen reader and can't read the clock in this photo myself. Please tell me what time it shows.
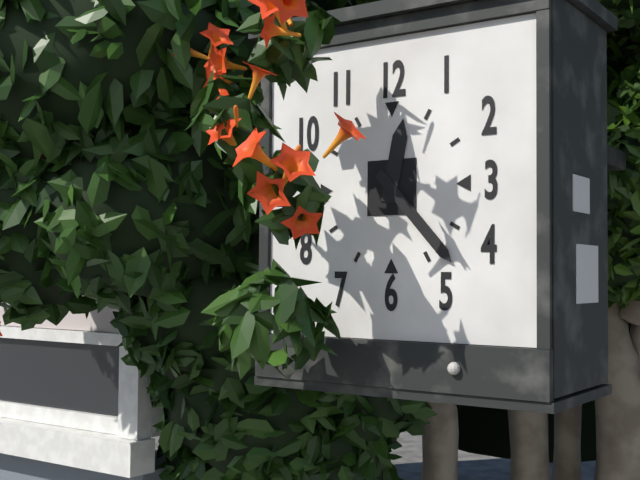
12:23
